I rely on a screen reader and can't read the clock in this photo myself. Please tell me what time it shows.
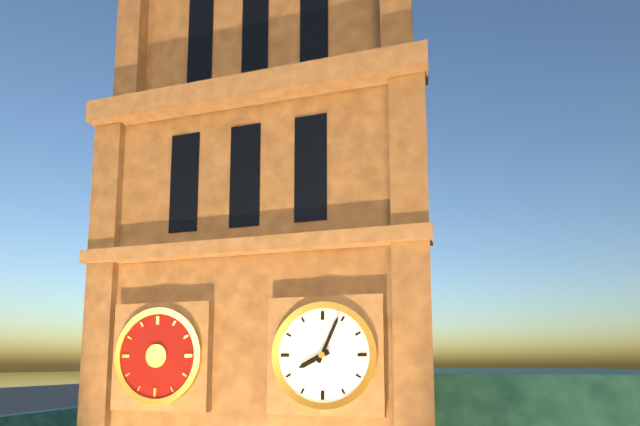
8:04
